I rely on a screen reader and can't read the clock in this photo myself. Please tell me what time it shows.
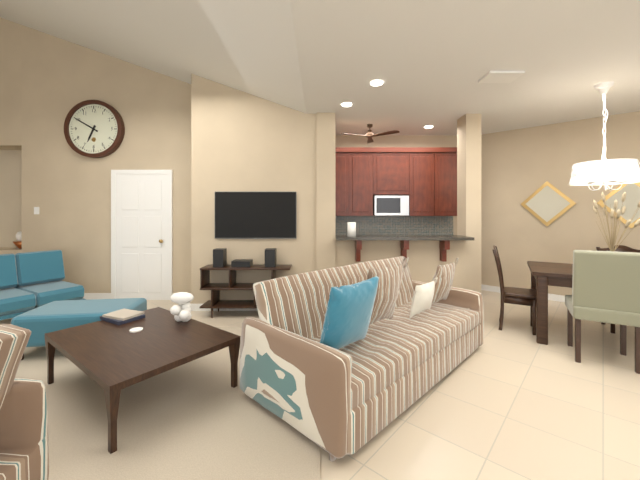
6:50
